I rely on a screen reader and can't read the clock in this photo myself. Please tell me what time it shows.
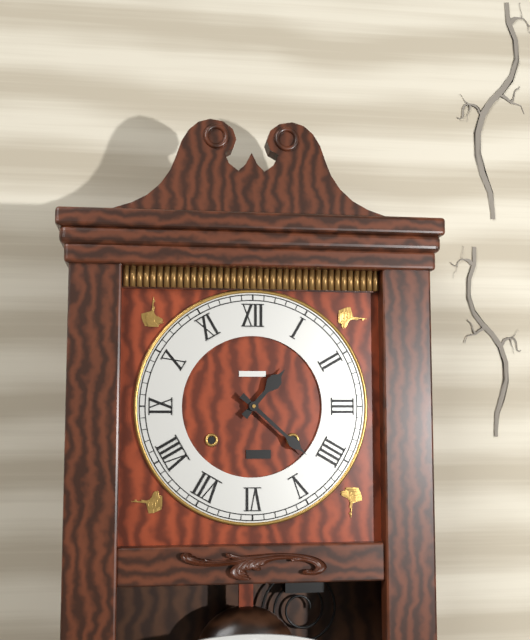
1:22
